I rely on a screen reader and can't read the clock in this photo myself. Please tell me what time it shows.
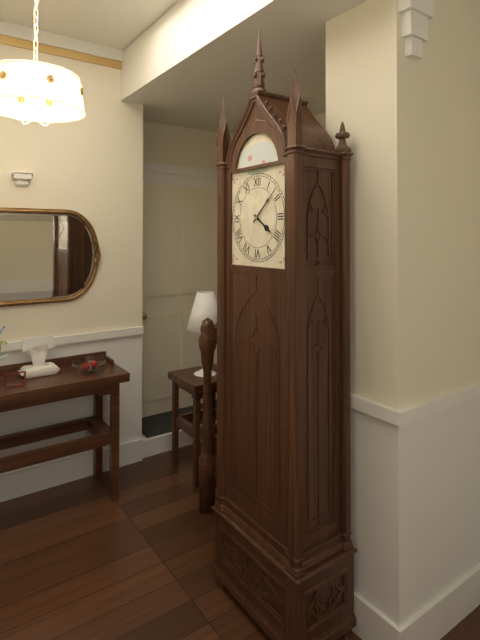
4:08
